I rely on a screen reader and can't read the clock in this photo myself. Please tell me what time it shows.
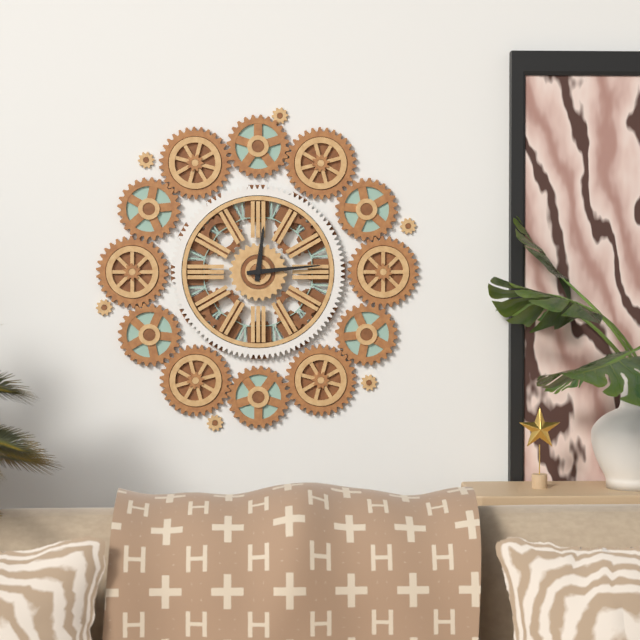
12:14
